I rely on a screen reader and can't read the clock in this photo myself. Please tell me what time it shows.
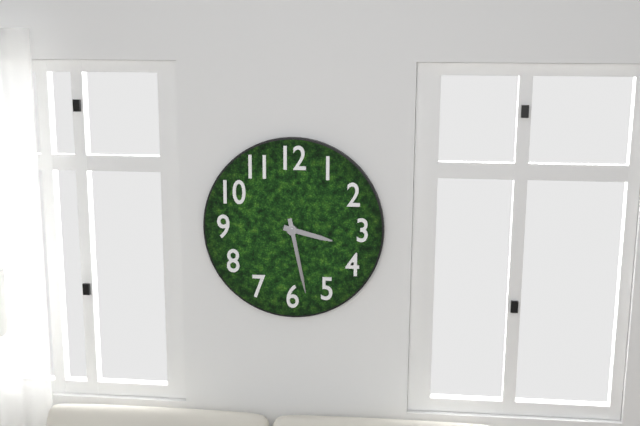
3:28
